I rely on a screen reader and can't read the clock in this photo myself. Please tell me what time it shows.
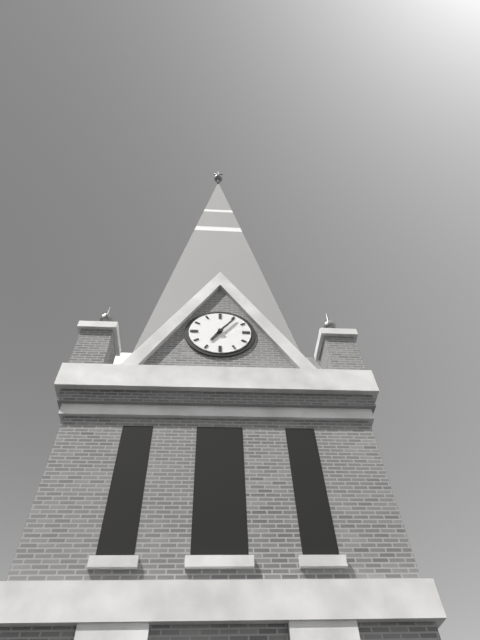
7:06
